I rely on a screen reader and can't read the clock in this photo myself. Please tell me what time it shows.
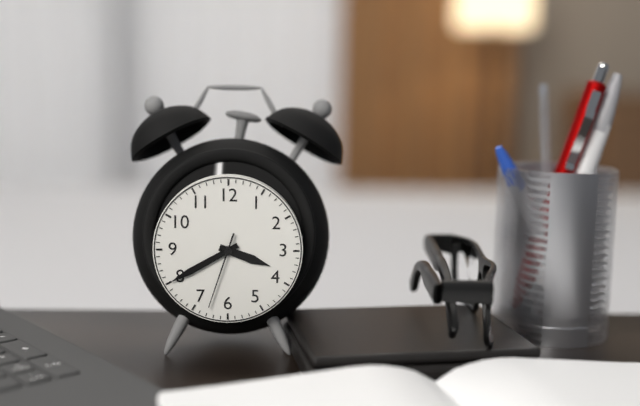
3:40:33
